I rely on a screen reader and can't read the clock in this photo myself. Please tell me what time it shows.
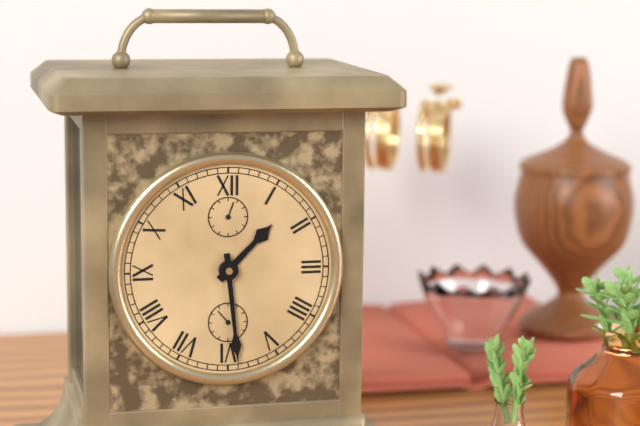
1:29
